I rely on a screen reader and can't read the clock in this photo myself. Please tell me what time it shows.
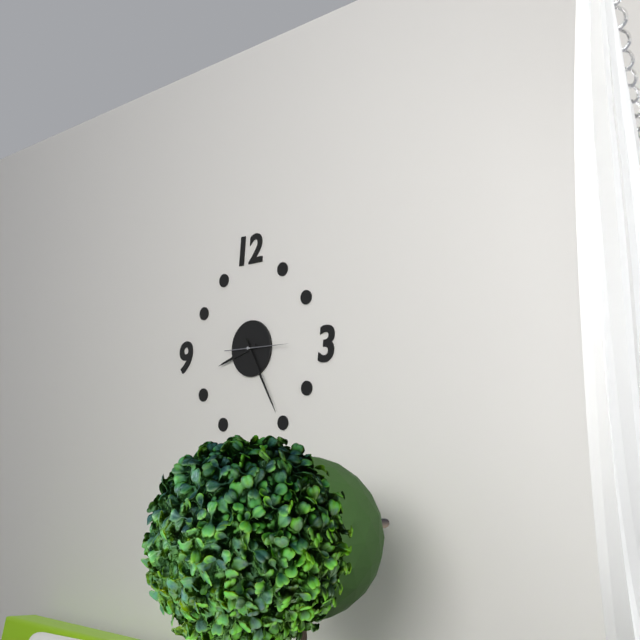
8:25:15
